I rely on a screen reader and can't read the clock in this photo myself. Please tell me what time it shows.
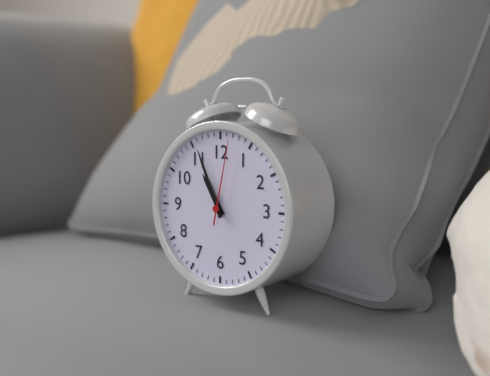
10:56:02
